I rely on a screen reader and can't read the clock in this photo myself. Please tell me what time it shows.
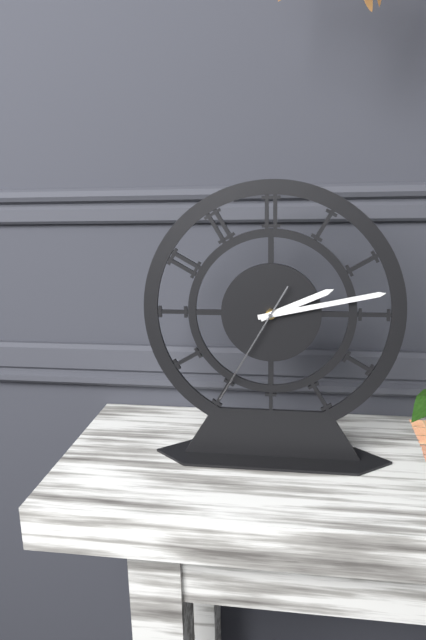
2:13:35
